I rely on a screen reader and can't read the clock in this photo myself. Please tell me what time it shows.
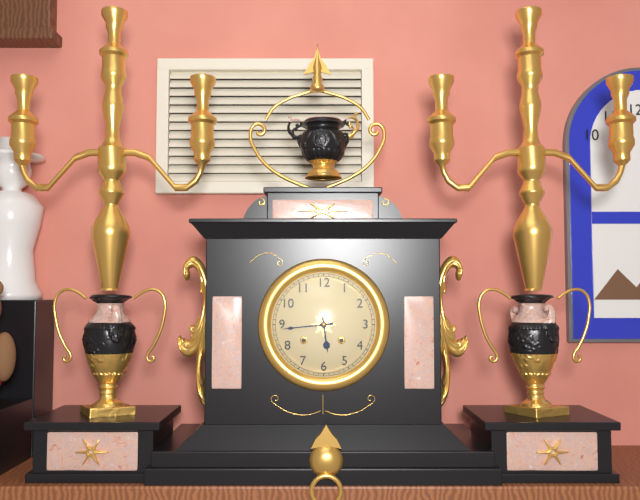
5:44
